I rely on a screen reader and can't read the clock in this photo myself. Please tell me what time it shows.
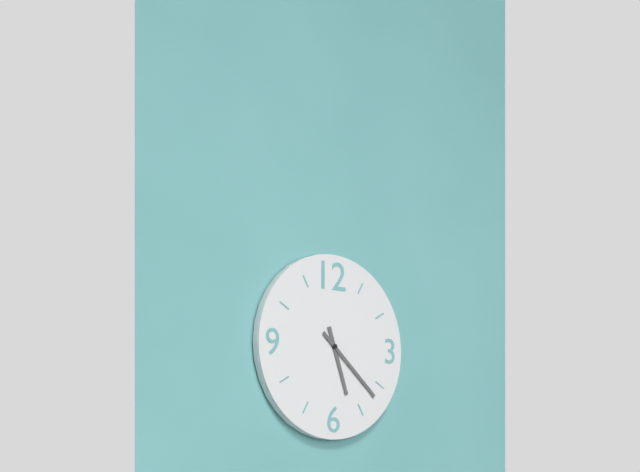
5:22
